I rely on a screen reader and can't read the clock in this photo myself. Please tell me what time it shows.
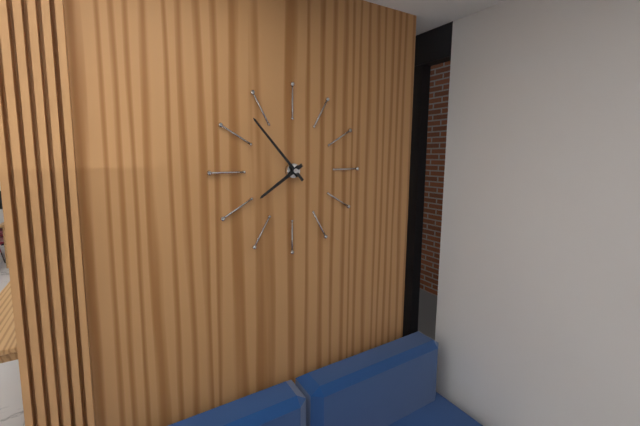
7:53
